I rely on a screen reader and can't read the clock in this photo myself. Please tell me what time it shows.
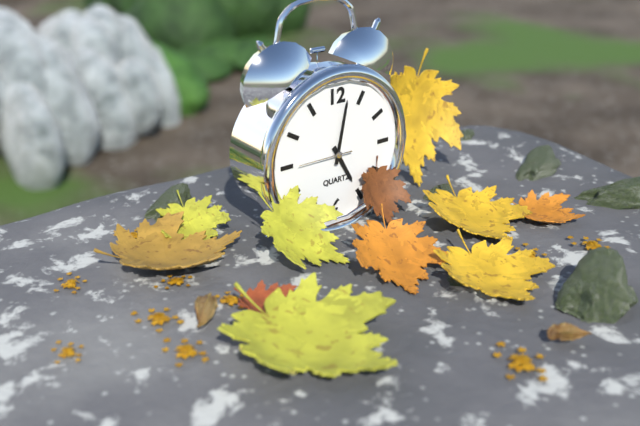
5:02
